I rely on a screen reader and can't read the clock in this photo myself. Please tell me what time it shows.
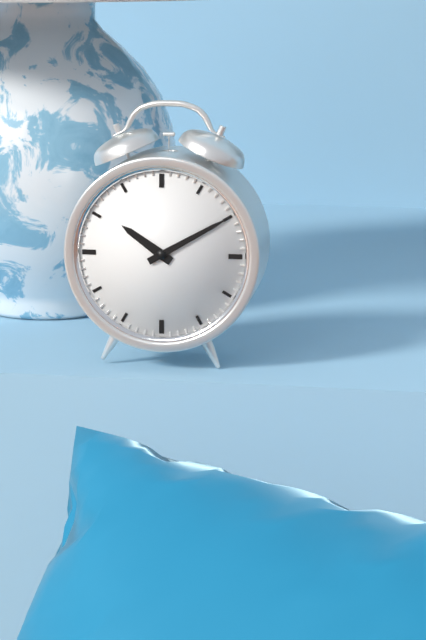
10:10
